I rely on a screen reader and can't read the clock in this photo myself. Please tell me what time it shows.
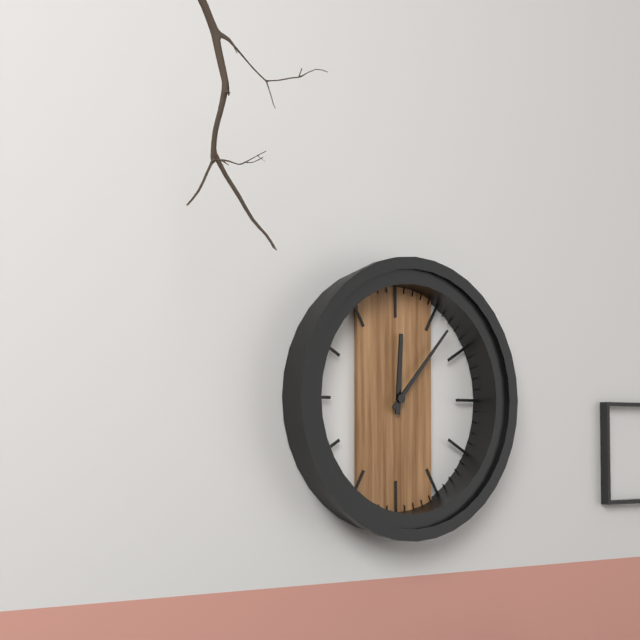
12:07
